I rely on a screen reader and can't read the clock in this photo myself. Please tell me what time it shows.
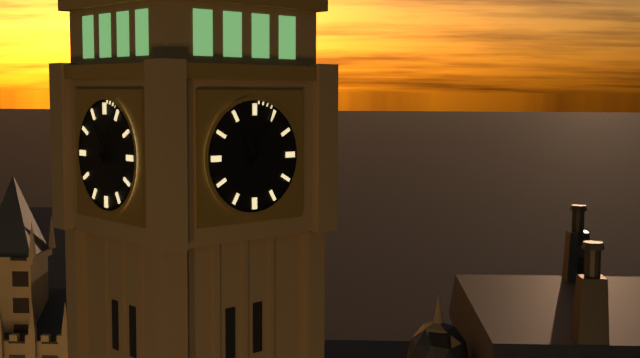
11:04
